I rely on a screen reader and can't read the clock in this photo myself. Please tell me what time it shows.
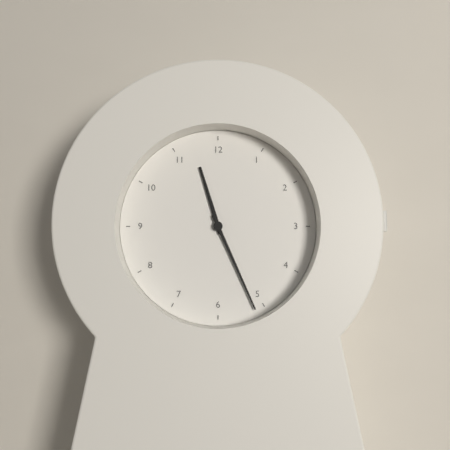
11:26
